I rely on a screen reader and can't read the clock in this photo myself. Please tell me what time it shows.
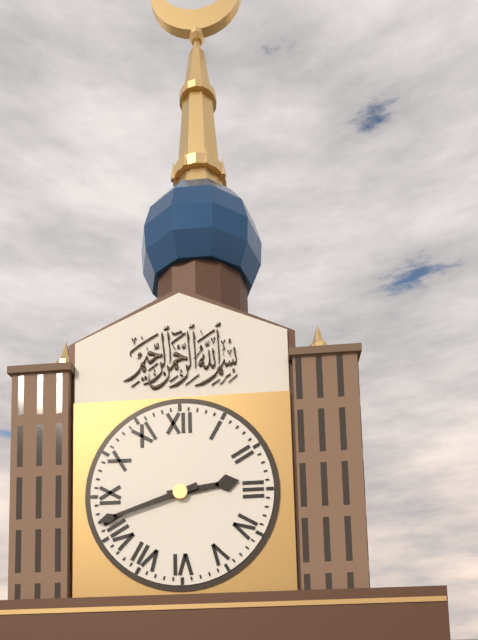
2:42
